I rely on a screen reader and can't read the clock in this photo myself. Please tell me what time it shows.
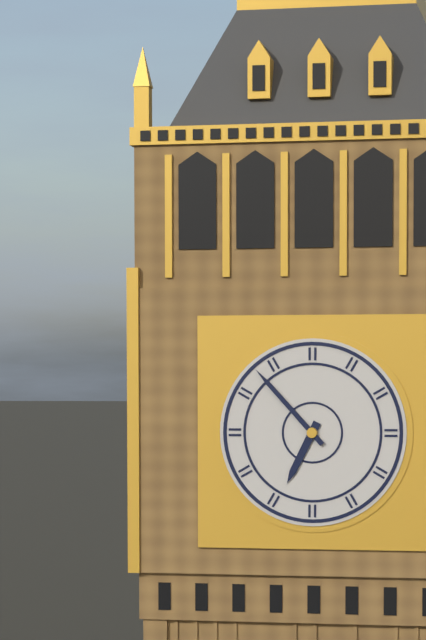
6:53
